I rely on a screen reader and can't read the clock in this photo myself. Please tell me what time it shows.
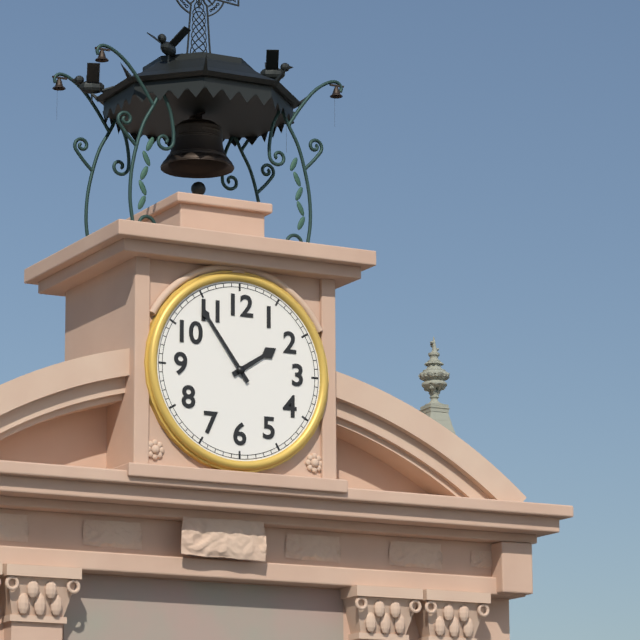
1:54
